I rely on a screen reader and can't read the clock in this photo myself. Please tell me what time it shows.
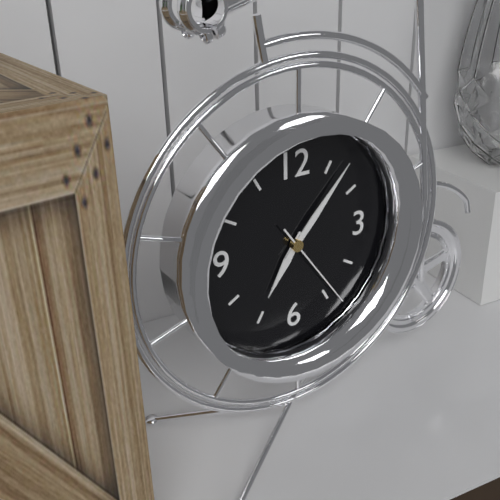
7:07:24
